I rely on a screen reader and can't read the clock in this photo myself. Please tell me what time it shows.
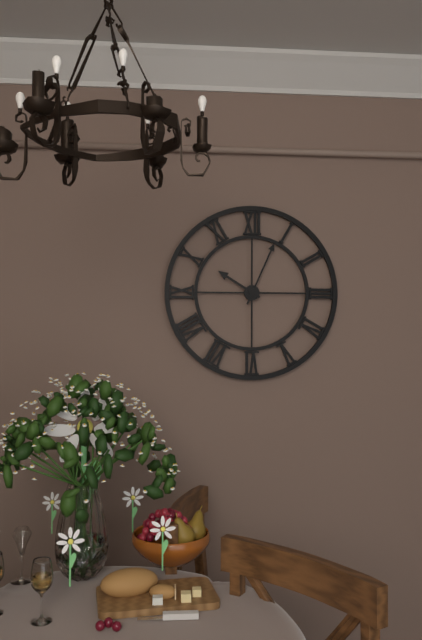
10:04
